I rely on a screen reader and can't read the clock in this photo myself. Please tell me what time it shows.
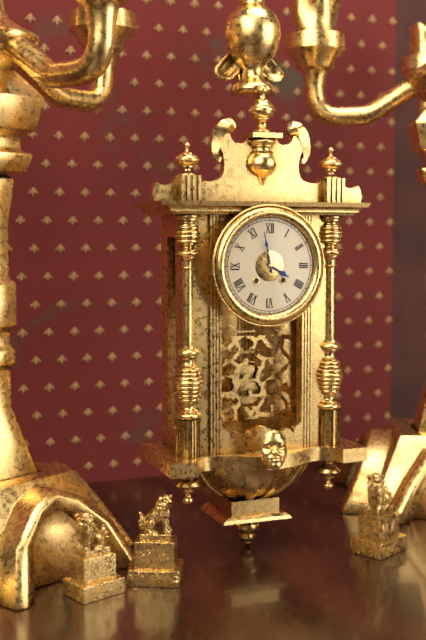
3:58
